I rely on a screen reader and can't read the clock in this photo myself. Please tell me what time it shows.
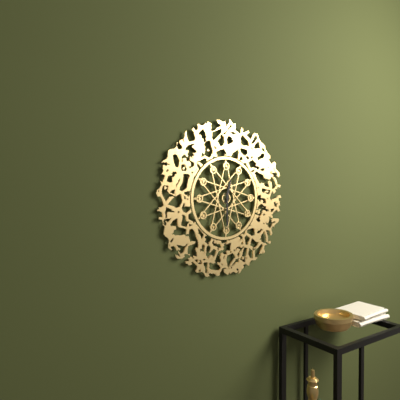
12:30
